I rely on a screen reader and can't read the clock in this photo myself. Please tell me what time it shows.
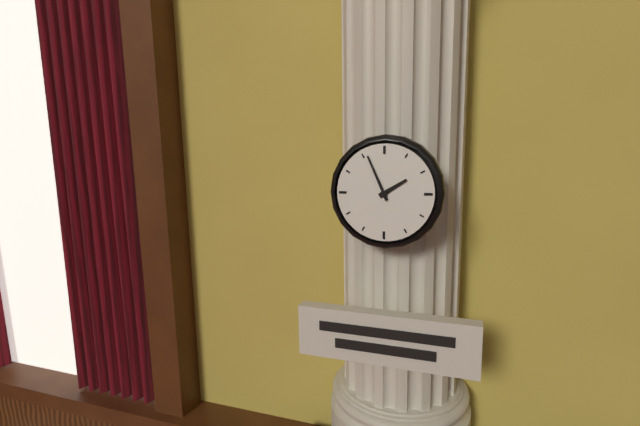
1:56
